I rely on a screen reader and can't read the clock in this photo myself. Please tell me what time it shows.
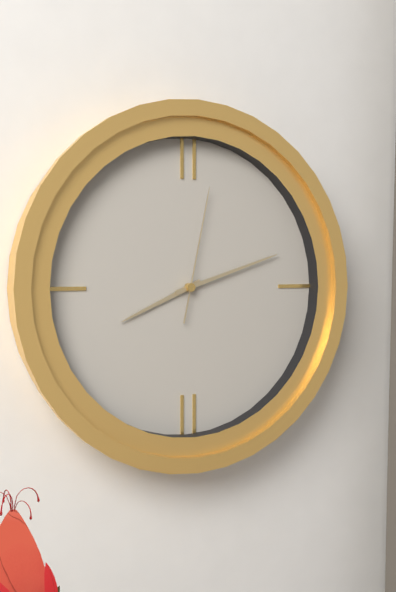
8:12:02
